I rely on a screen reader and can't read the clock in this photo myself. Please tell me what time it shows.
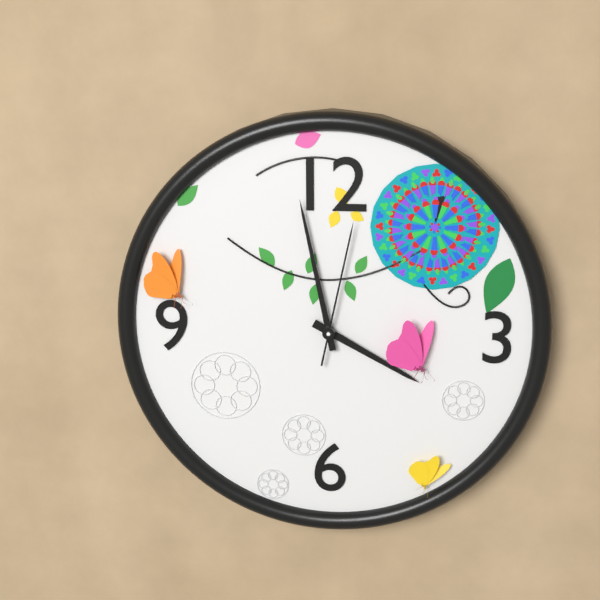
3:58:02
